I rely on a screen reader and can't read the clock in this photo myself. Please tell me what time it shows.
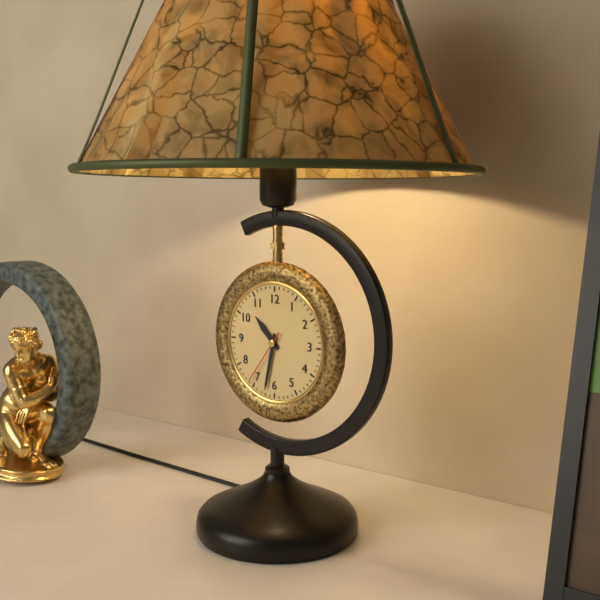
10:32:36
